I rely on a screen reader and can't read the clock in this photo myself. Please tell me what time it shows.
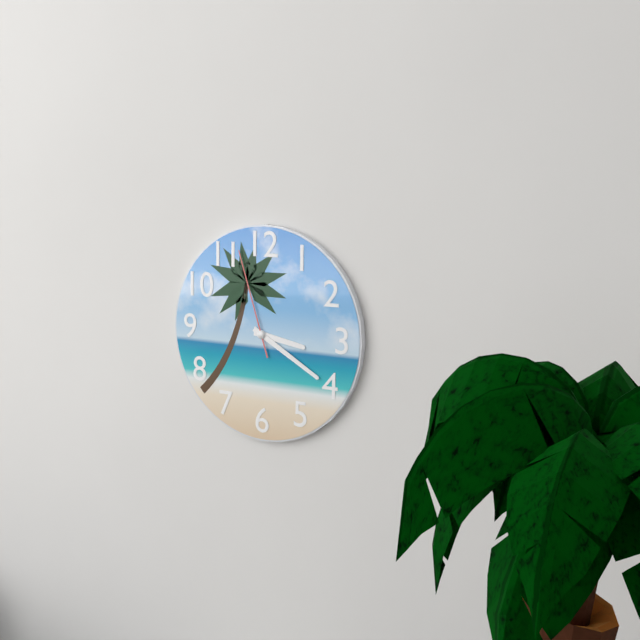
3:20:57
